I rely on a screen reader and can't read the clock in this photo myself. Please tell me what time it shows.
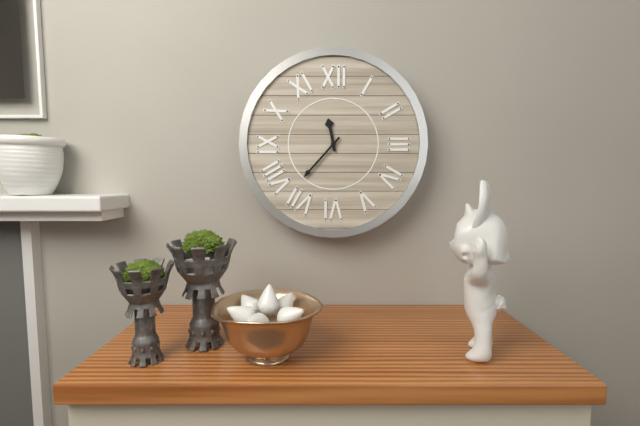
11:37
